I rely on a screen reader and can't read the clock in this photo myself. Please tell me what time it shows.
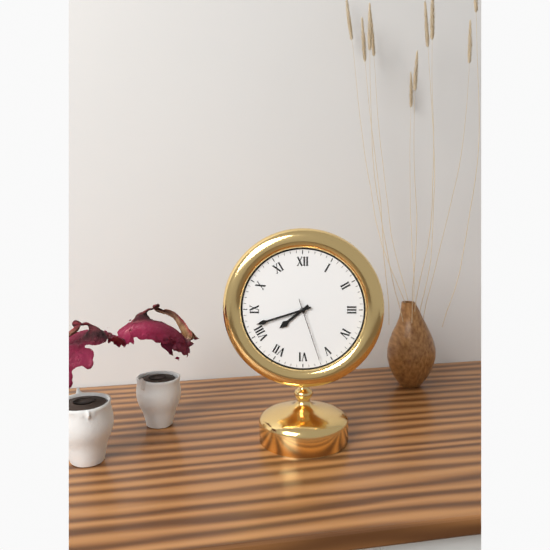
7:42:27
